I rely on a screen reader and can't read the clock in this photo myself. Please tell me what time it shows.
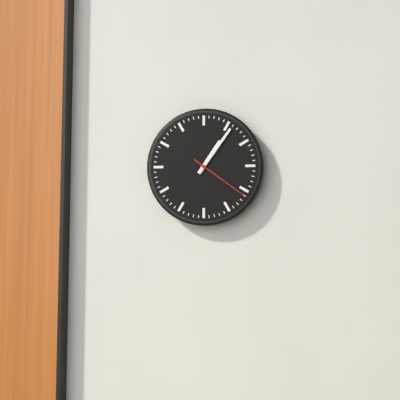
1:06:21
